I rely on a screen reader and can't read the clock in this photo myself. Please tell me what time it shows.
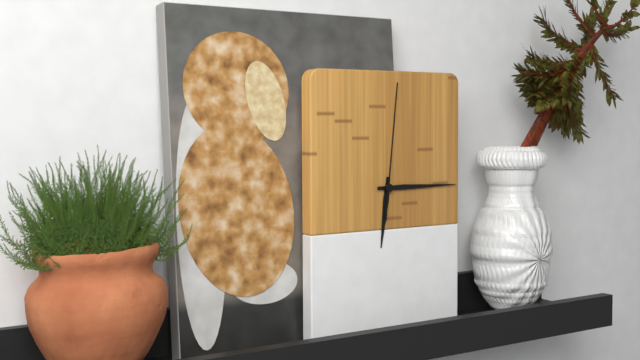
6:15:01
